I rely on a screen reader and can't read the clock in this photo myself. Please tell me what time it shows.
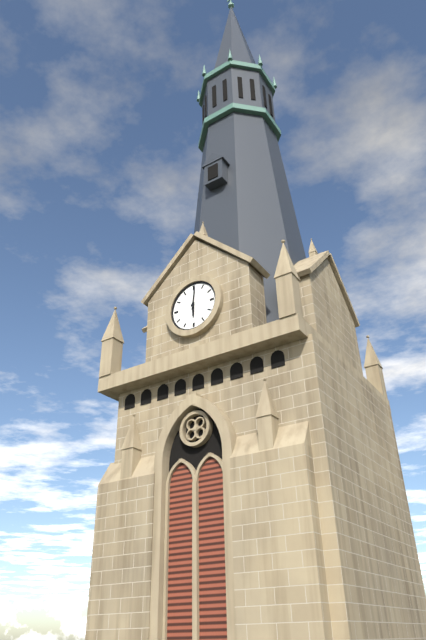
6:01
